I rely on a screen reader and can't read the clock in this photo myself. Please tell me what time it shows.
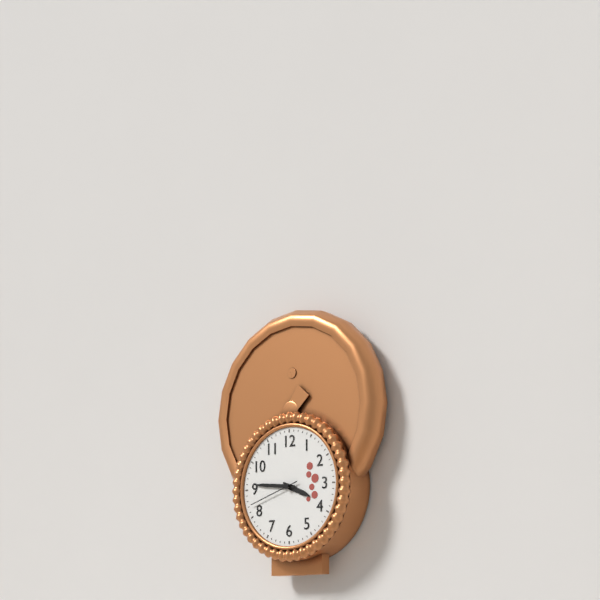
3:46:42
